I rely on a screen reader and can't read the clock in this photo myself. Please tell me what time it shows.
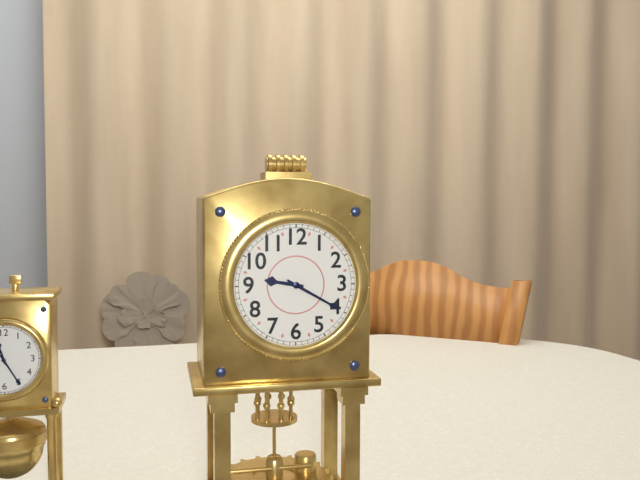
9:20
